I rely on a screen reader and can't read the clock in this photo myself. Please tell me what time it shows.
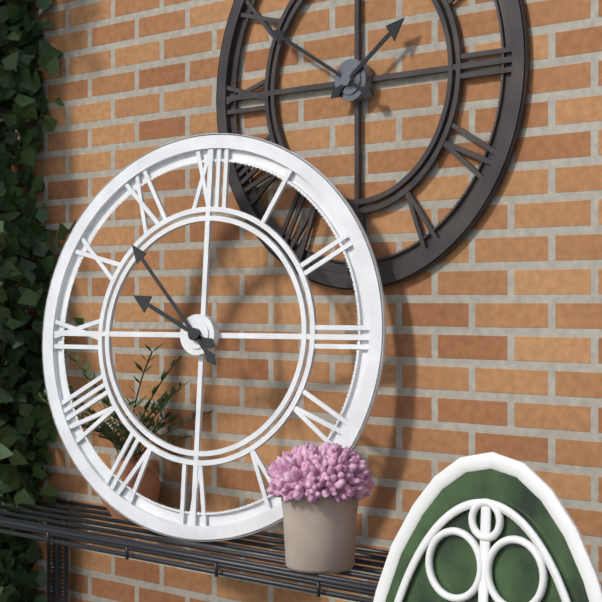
9:53
